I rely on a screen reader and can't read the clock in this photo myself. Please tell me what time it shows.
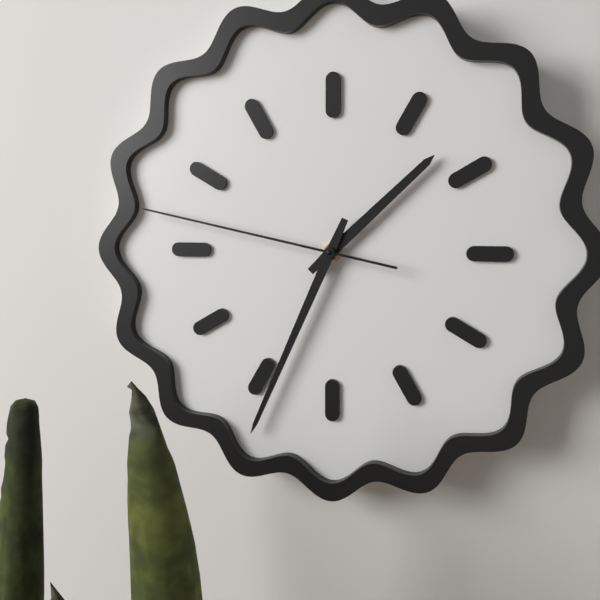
1:34:47
